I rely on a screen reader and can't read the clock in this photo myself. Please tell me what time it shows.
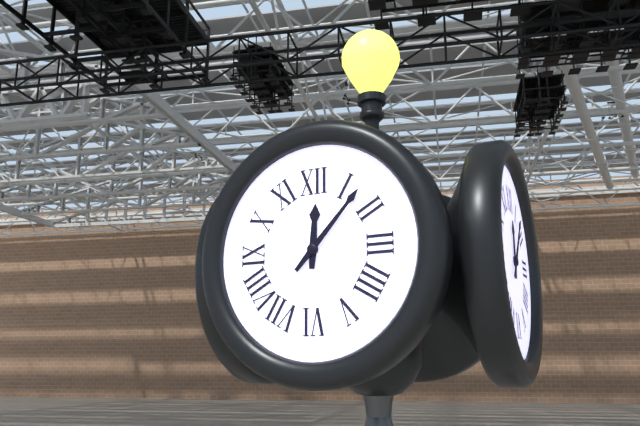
12:07
